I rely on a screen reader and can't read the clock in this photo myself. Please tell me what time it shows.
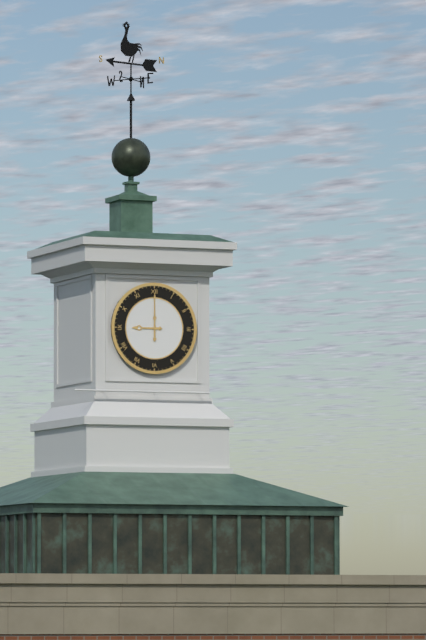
9:00
